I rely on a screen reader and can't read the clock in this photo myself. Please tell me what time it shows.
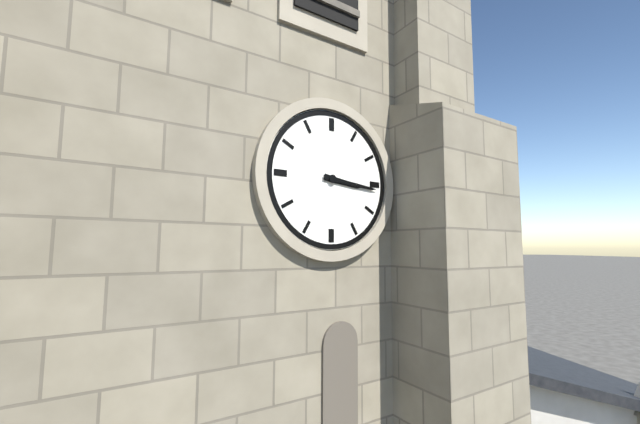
3:16
